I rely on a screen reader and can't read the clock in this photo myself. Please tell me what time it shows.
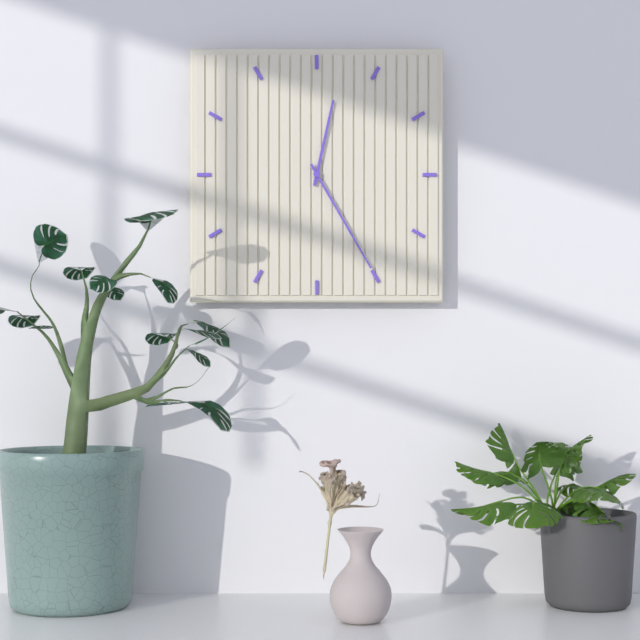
12:25
